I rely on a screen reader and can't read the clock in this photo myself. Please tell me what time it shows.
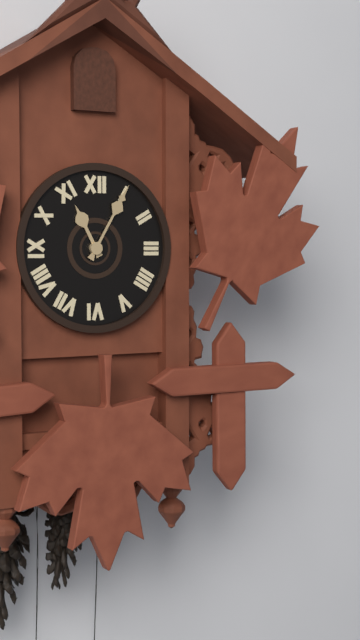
11:05
